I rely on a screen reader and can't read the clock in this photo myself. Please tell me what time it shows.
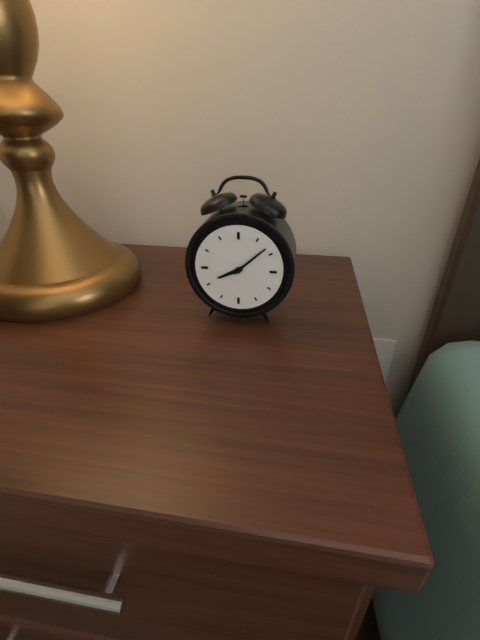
8:08
